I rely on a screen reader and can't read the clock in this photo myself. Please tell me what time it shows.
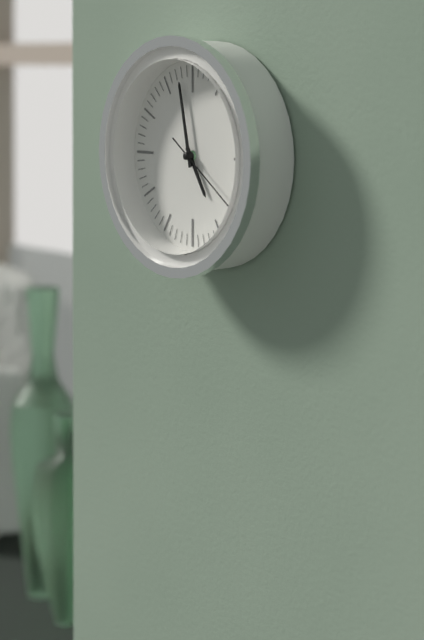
4:58:21
